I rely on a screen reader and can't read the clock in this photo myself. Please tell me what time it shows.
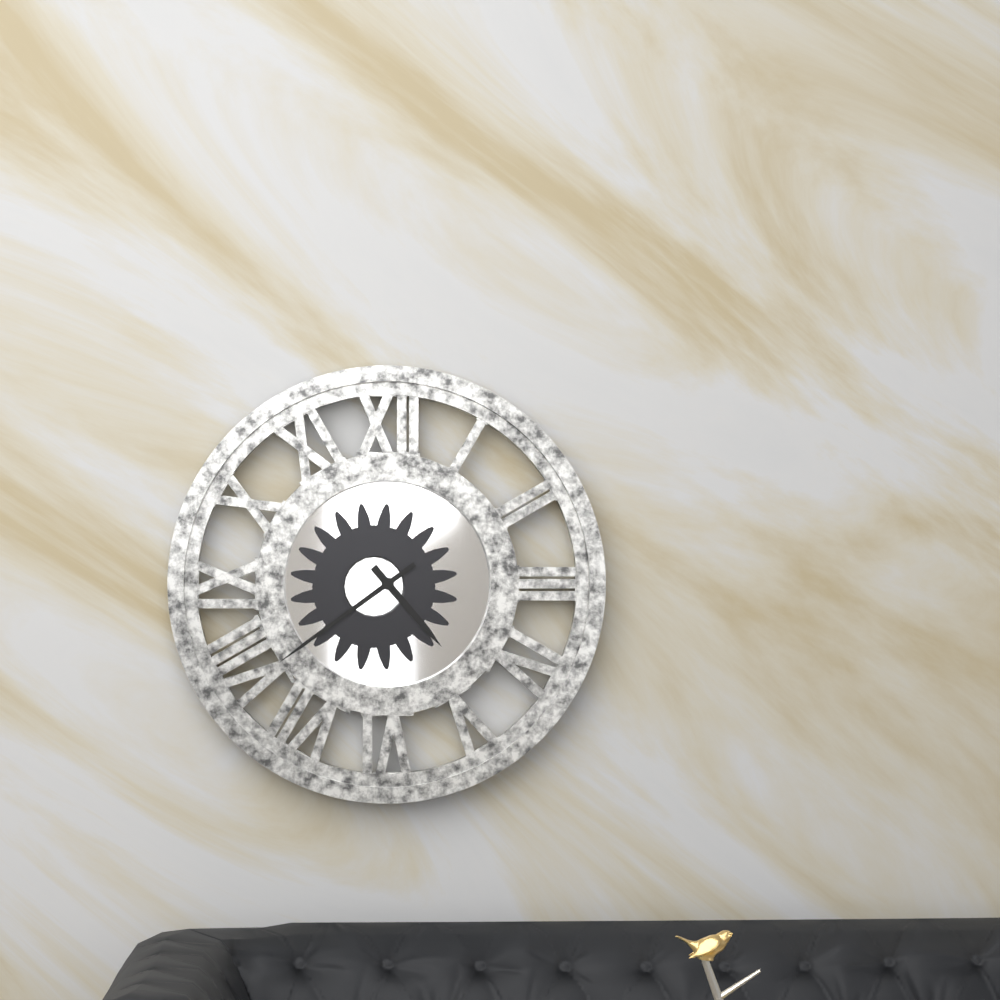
4:39
